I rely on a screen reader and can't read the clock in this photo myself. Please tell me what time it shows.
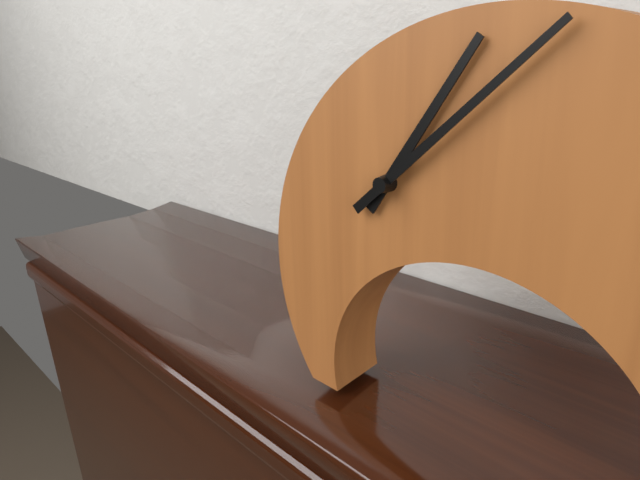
1:08
